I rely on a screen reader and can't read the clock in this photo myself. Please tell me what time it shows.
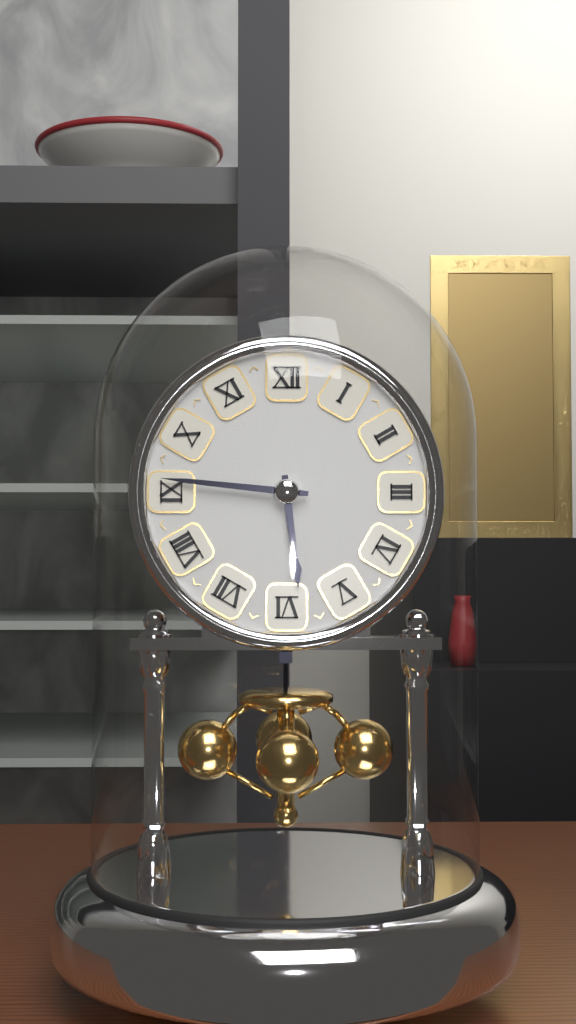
5:46
